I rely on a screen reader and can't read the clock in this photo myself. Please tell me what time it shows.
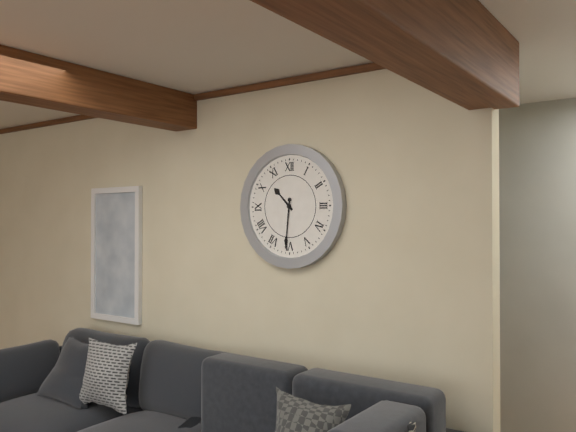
10:31
